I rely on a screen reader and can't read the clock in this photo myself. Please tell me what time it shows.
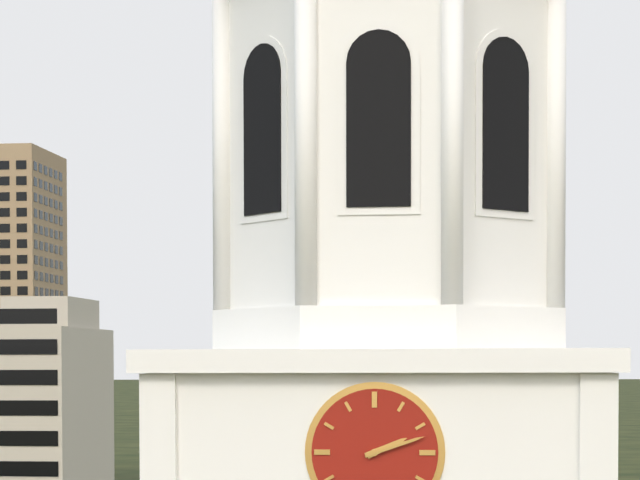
2:12
